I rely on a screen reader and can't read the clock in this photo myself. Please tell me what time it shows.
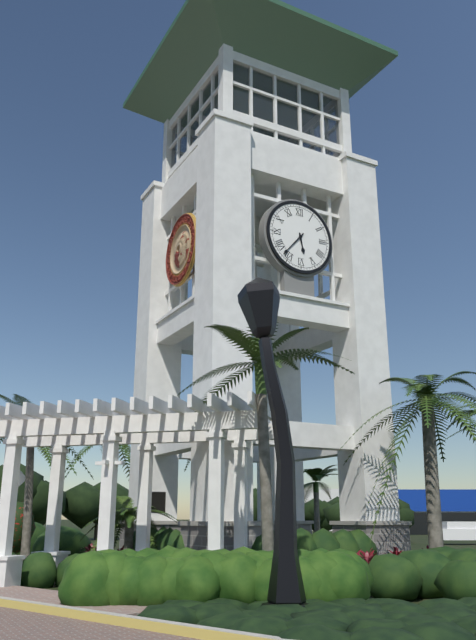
5:37
